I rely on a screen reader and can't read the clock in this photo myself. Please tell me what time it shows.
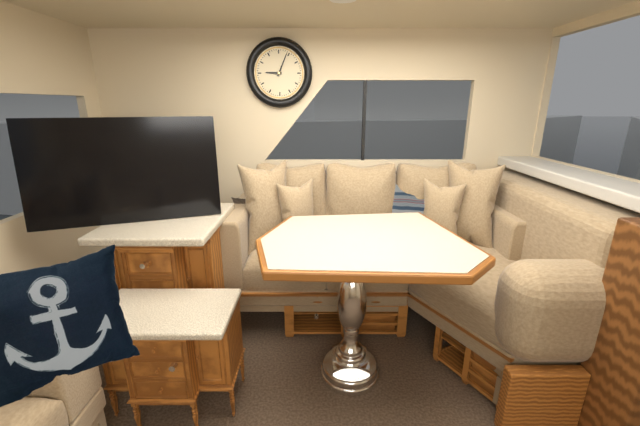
9:04
